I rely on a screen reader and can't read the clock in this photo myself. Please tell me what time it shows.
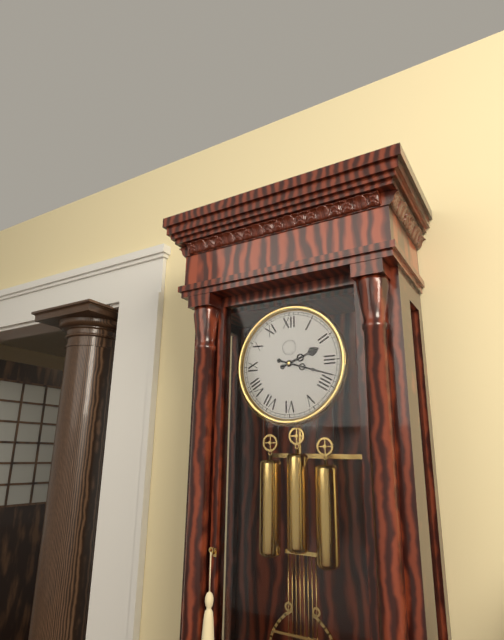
2:18
